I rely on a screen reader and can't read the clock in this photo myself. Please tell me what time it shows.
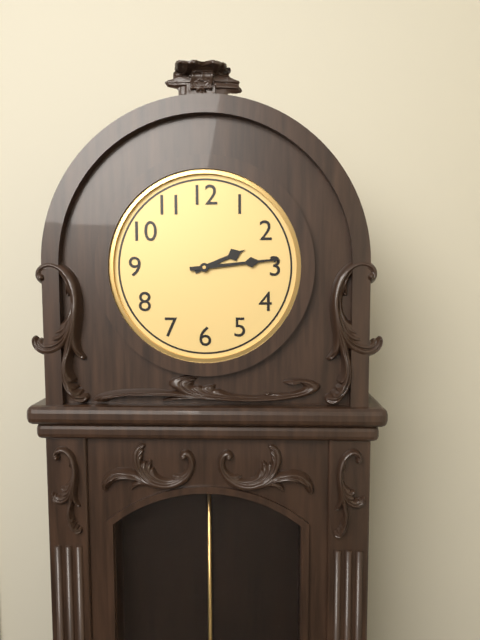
2:14
